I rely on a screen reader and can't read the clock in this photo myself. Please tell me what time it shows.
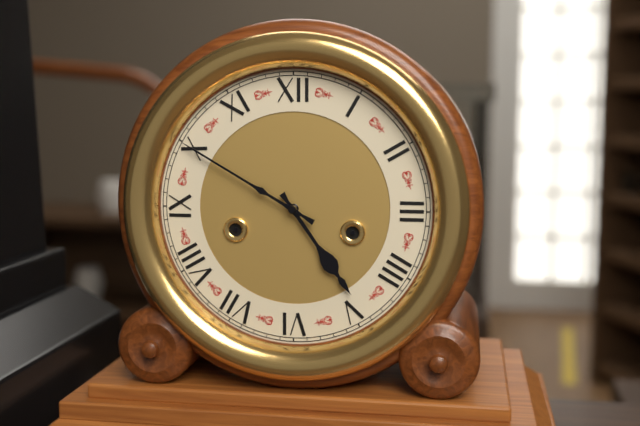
4:50
